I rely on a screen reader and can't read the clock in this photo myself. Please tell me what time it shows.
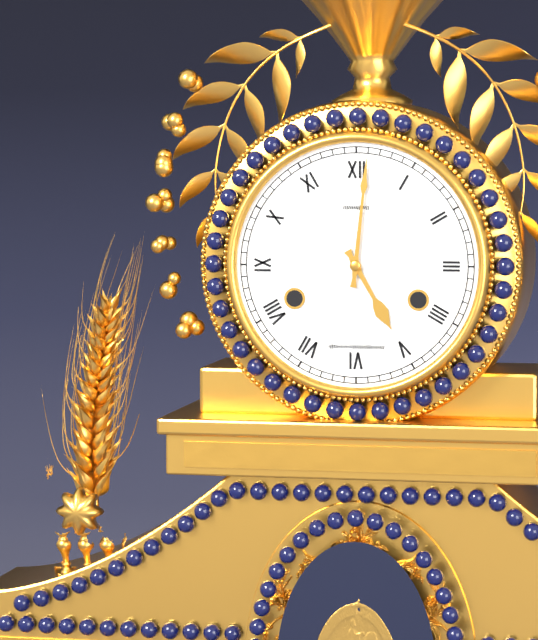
5:01
